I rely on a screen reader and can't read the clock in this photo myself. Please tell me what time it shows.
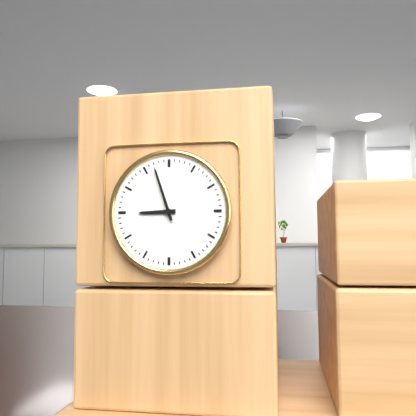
8:57
